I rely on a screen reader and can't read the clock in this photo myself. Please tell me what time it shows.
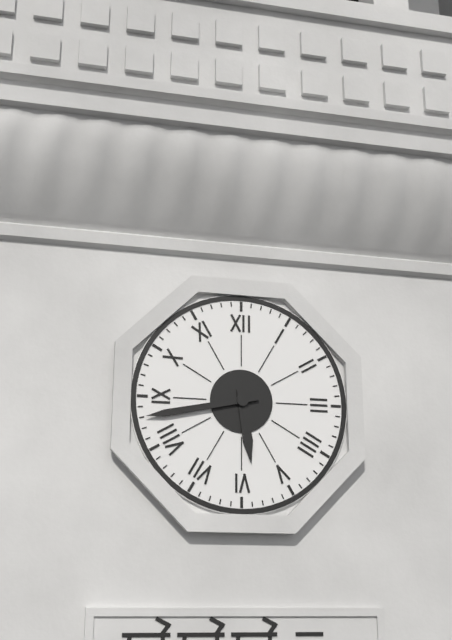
5:43
